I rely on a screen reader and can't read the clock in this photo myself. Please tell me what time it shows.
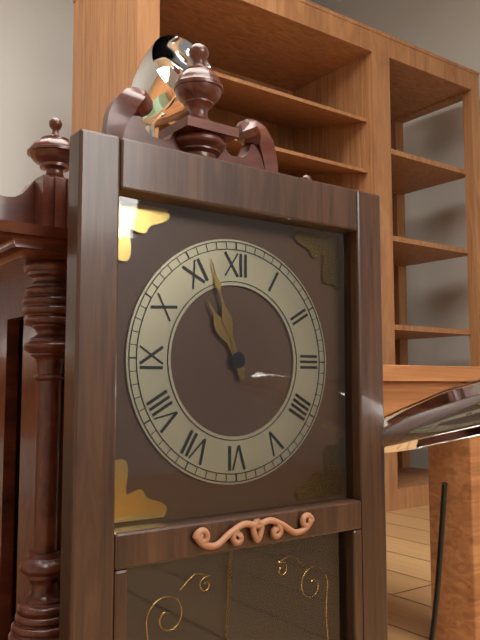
10:57
